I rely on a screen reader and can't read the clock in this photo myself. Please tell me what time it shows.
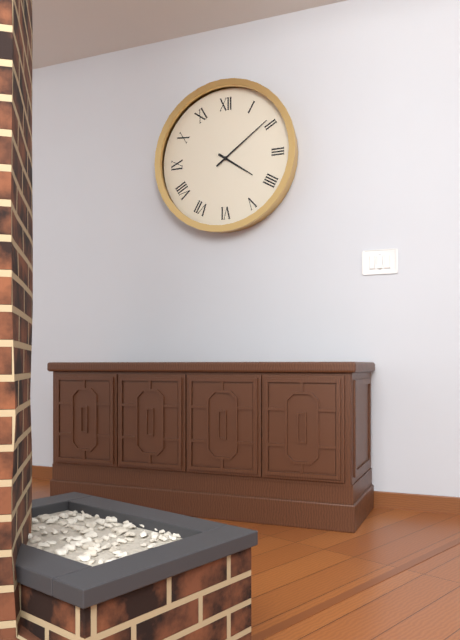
4:09
